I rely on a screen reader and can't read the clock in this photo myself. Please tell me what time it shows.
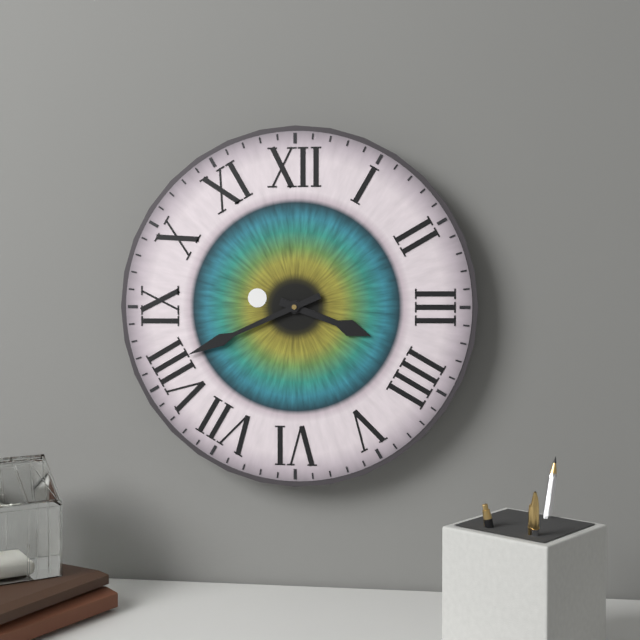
3:41
